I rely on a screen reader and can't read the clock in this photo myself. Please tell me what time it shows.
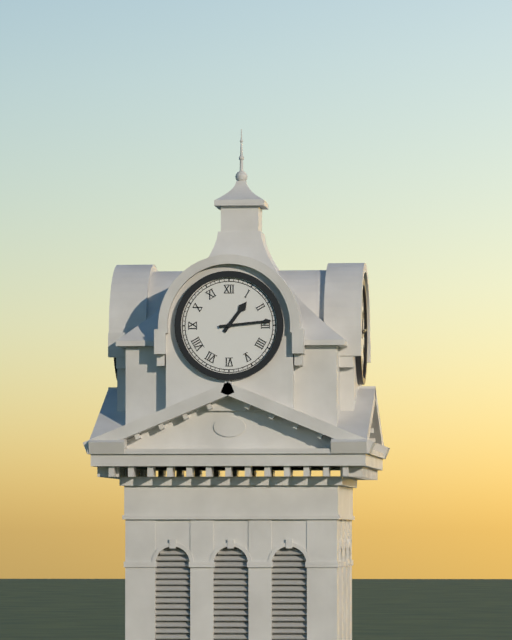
1:14
